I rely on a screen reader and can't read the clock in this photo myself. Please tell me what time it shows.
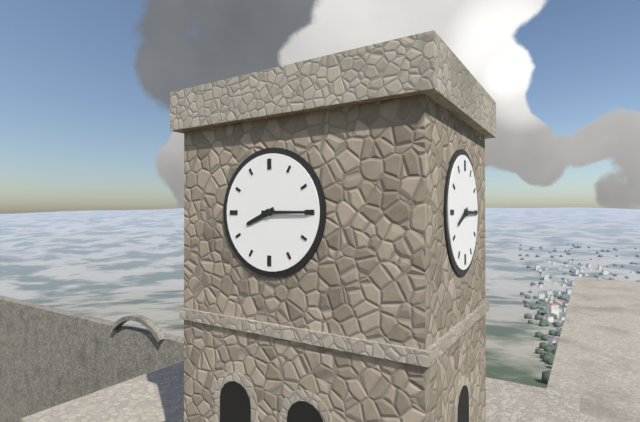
8:15
